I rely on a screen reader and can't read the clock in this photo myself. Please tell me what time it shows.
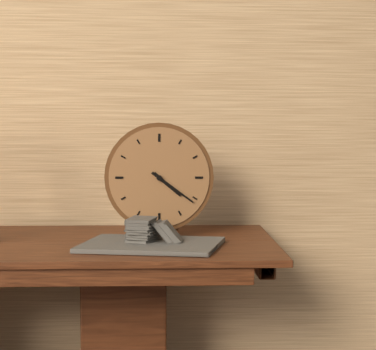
4:21
